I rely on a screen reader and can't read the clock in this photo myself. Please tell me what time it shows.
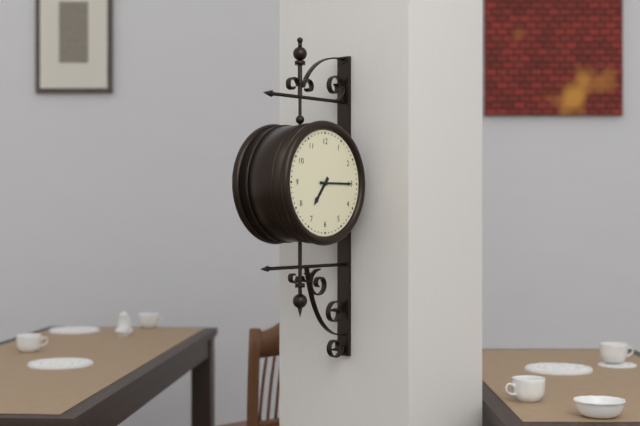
7:15
